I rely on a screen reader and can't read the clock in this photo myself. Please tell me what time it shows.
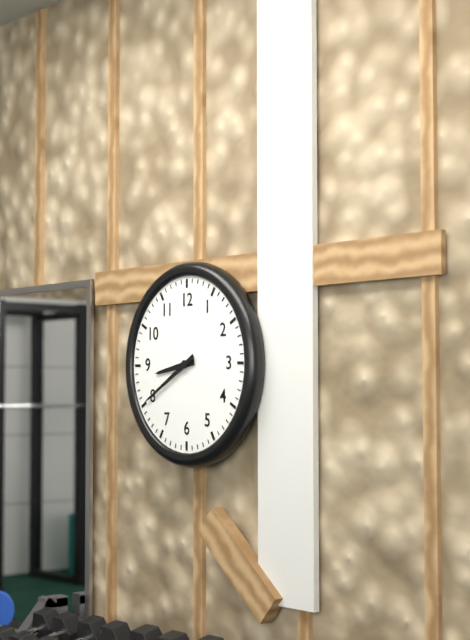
8:40
